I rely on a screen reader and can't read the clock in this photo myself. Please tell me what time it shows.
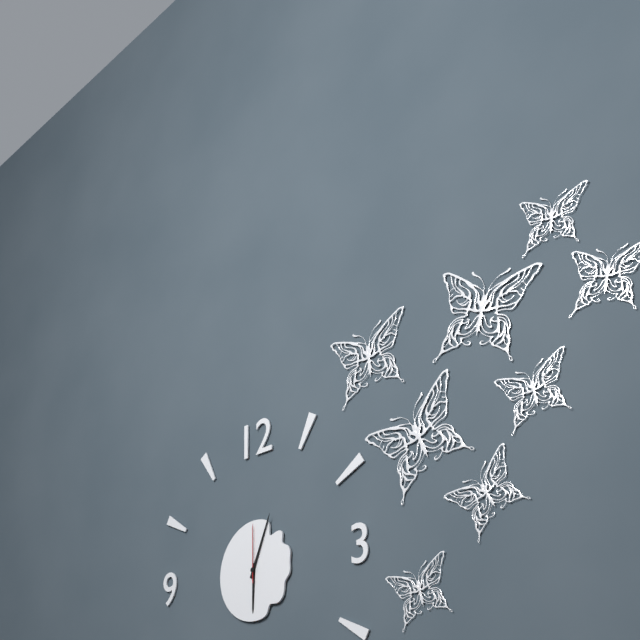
6:04:00
